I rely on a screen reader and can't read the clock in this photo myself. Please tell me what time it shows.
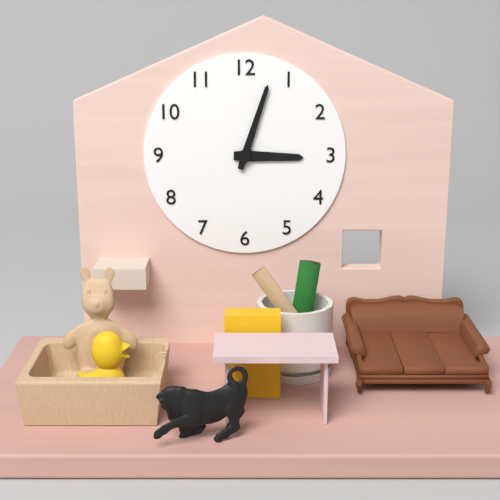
3:03
